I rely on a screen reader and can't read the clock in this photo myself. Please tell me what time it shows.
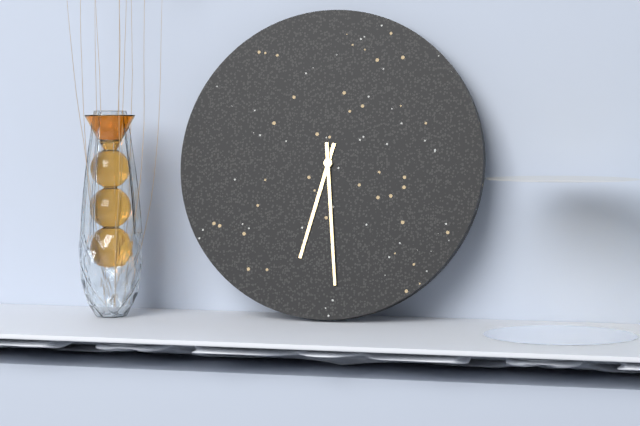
6:29
